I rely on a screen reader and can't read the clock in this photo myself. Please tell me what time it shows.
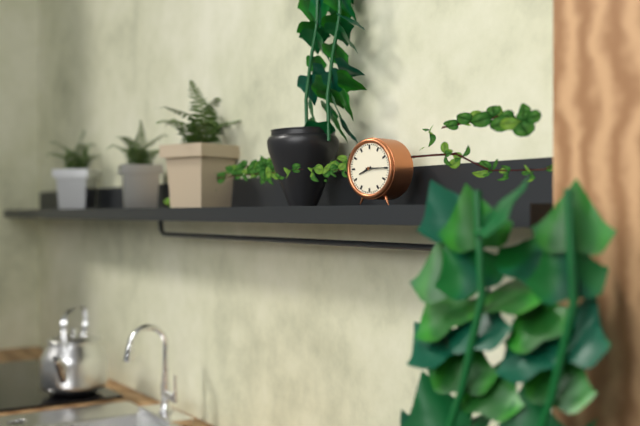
8:15
